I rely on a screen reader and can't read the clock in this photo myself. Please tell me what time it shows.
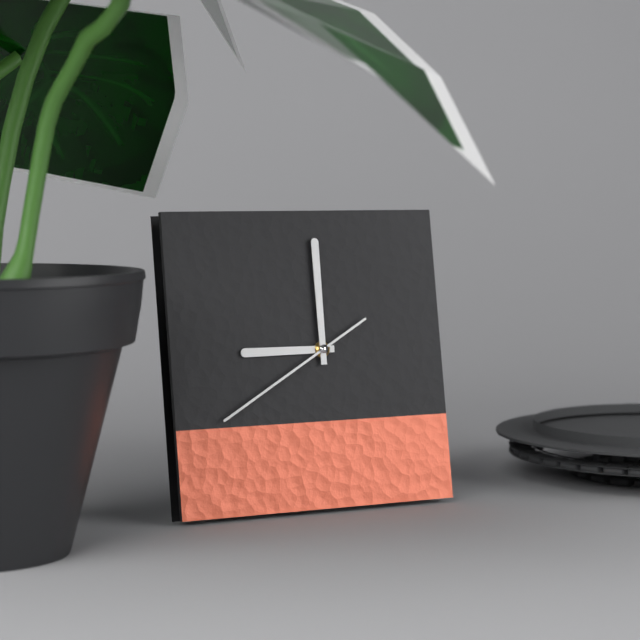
9:00:40
